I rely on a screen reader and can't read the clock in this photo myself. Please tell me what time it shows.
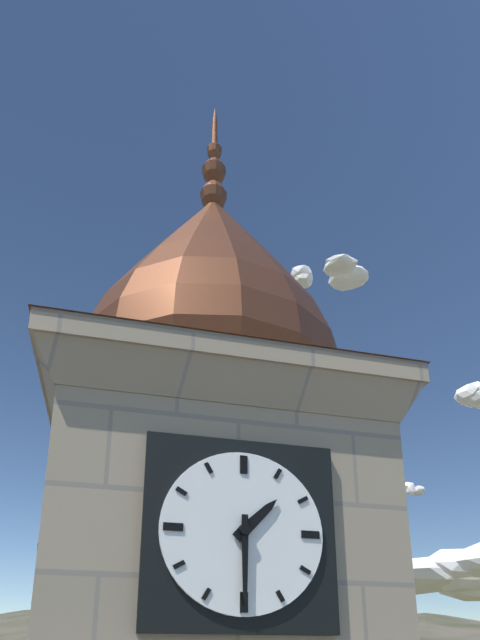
1:30
